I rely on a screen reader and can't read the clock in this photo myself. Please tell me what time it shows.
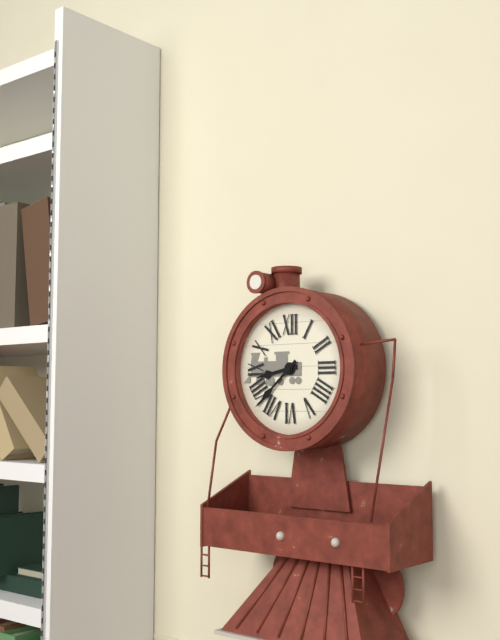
8:38
